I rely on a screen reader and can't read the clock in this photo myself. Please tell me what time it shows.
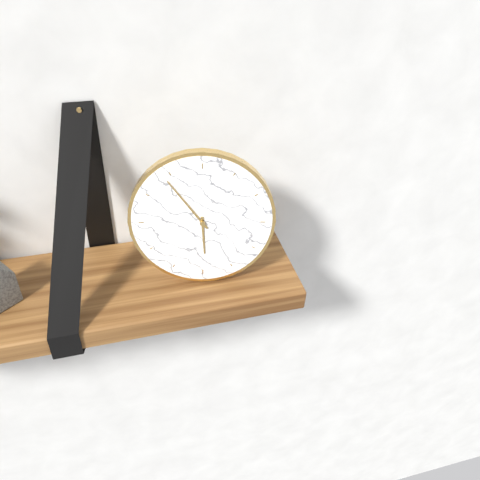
5:54
